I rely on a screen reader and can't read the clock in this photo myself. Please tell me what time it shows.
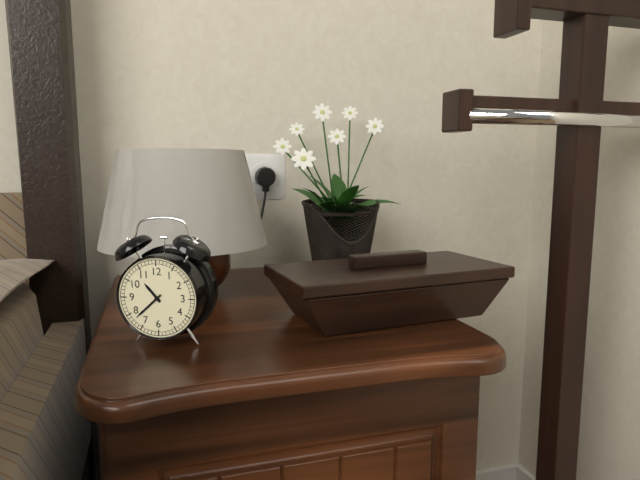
10:38
